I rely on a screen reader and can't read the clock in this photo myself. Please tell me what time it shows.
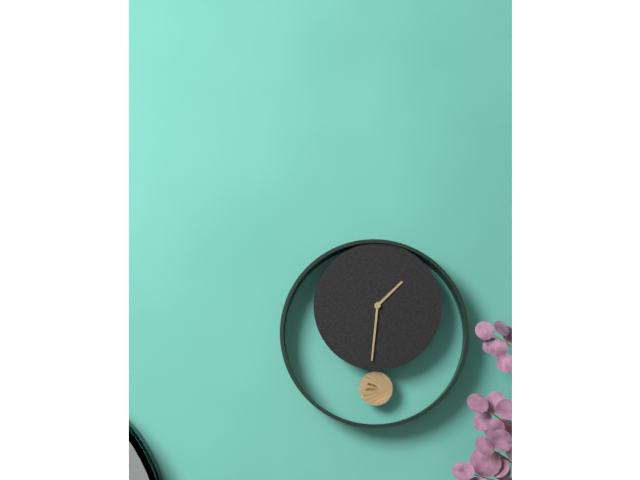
1:31
